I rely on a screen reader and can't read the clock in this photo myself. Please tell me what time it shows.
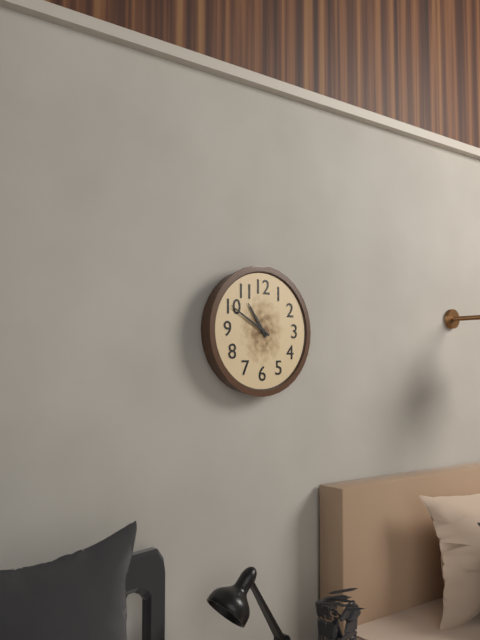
10:50
